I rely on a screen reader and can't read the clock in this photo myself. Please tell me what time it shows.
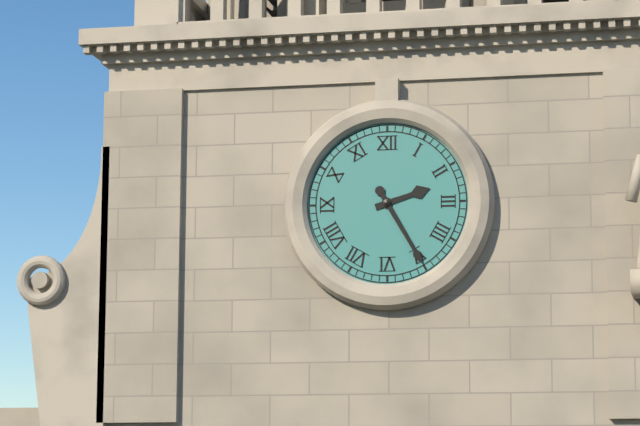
2:25
